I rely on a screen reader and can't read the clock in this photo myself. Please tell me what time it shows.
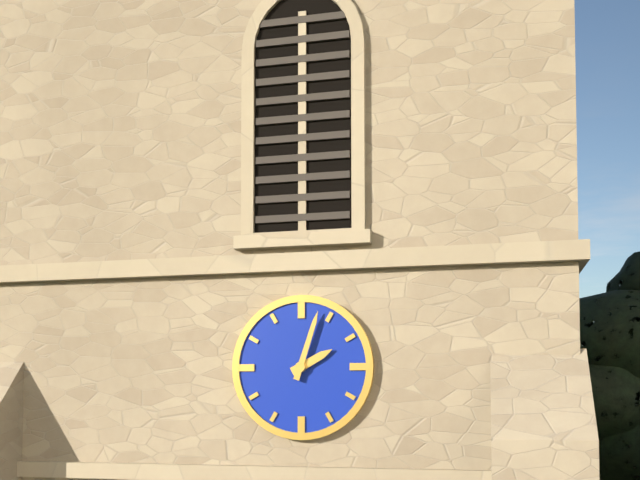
2:03
